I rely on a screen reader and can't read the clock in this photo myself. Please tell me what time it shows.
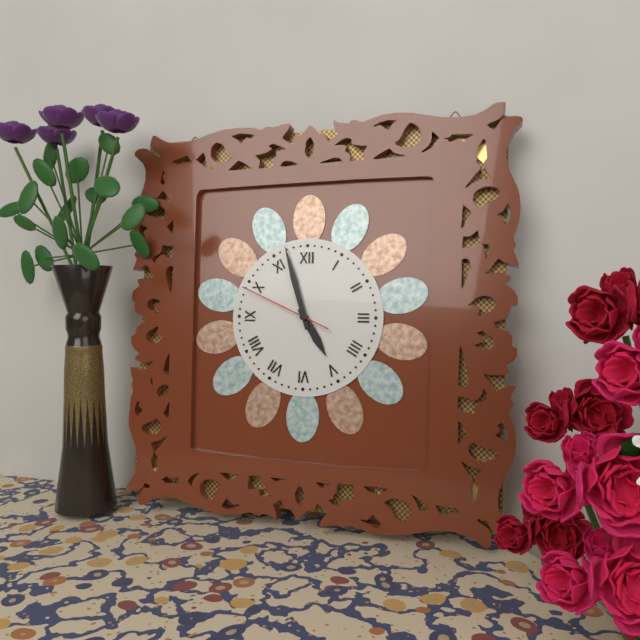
4:57:49
